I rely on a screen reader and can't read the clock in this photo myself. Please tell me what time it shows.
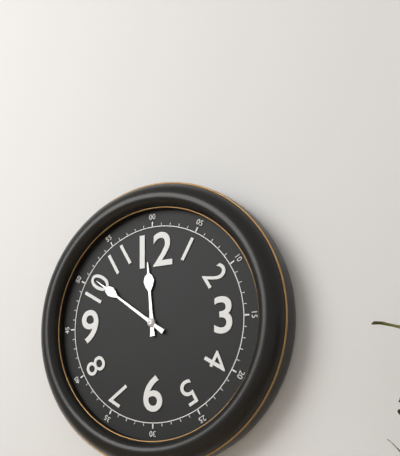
11:51
